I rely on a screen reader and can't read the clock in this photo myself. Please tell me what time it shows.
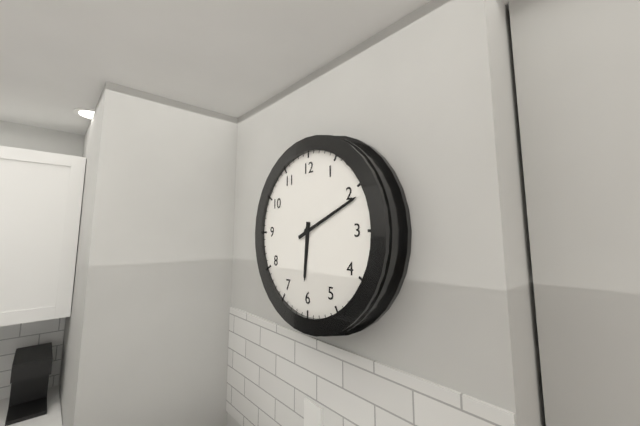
6:11
